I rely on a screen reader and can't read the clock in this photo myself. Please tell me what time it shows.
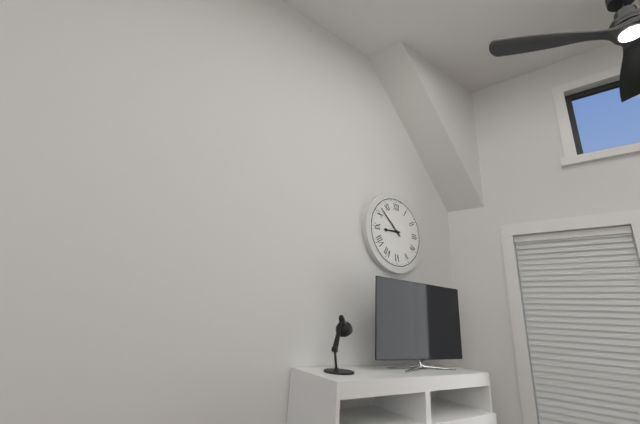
8:52
